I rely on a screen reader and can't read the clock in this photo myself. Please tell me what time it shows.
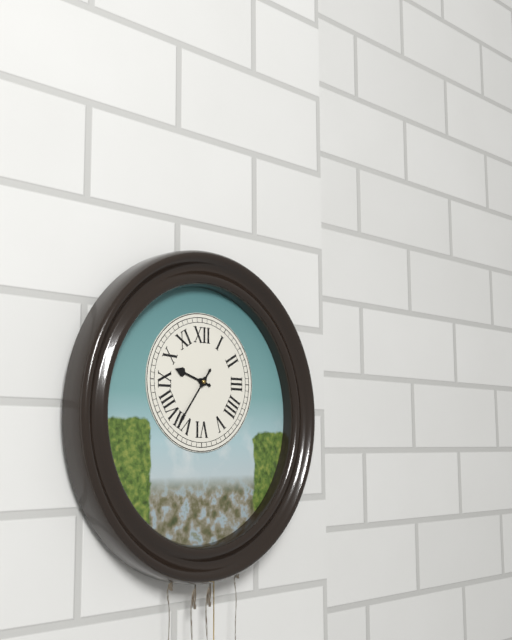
9:36
